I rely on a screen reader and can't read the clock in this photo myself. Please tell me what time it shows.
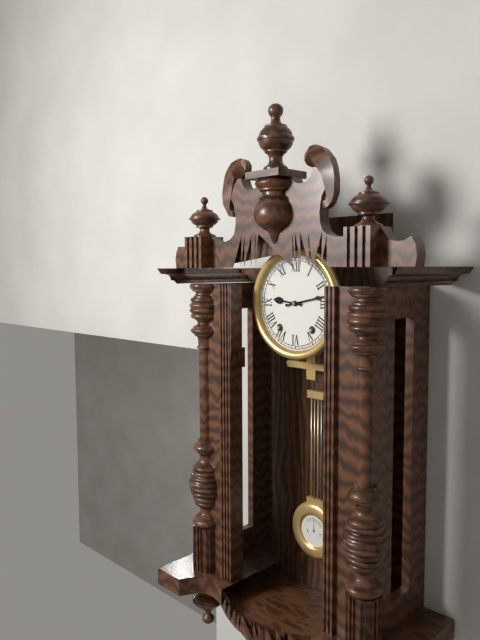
9:13
